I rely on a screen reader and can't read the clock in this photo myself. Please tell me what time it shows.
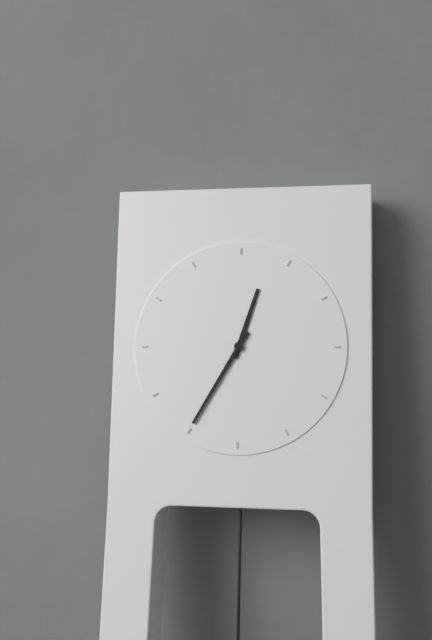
12:35
